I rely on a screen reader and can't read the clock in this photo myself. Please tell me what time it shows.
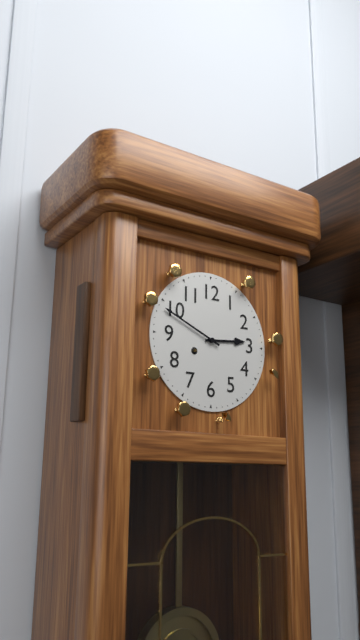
2:49
